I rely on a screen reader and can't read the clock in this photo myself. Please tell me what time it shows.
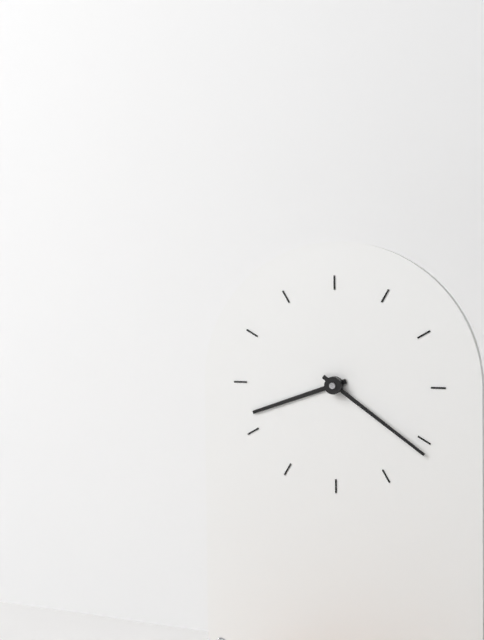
8:21
